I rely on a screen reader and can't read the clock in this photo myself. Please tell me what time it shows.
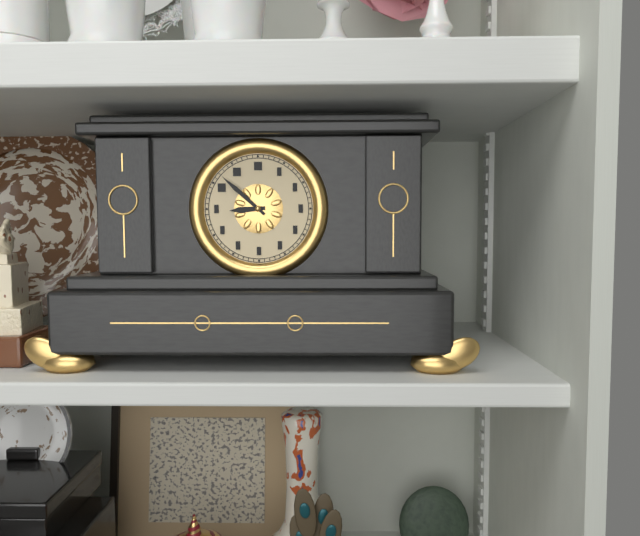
8:52
